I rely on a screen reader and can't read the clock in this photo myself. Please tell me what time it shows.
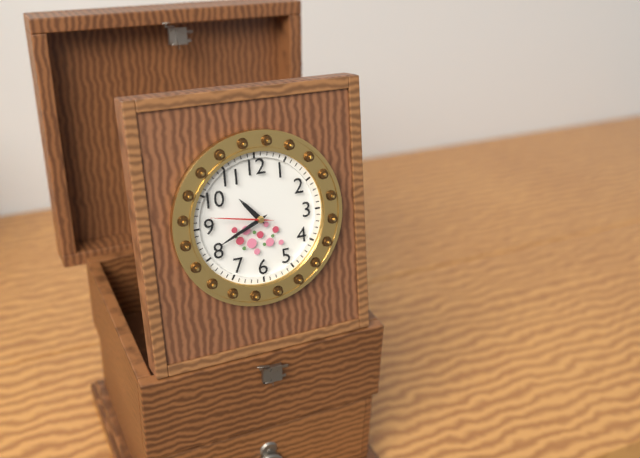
10:41:47
